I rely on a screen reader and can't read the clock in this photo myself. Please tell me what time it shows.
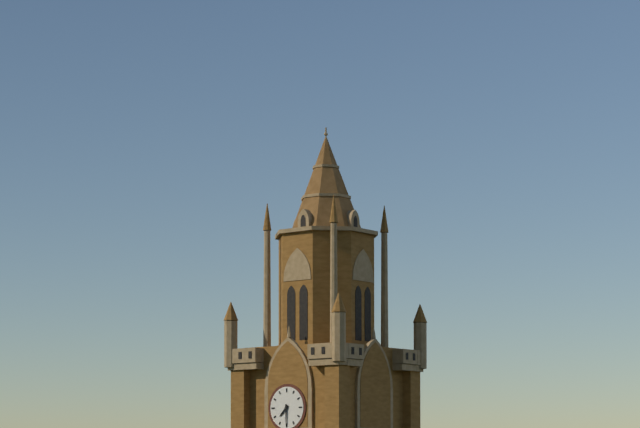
7:30
